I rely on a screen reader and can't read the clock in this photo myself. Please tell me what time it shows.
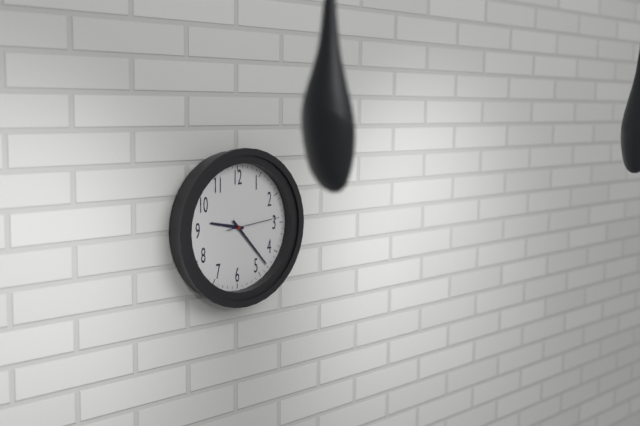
9:23:14
